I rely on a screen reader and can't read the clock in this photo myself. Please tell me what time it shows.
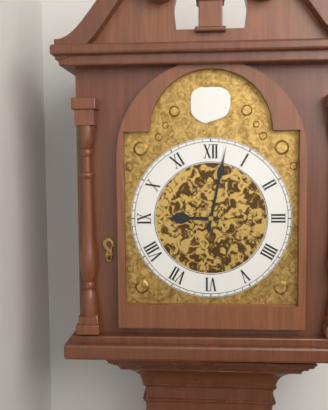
9:02
